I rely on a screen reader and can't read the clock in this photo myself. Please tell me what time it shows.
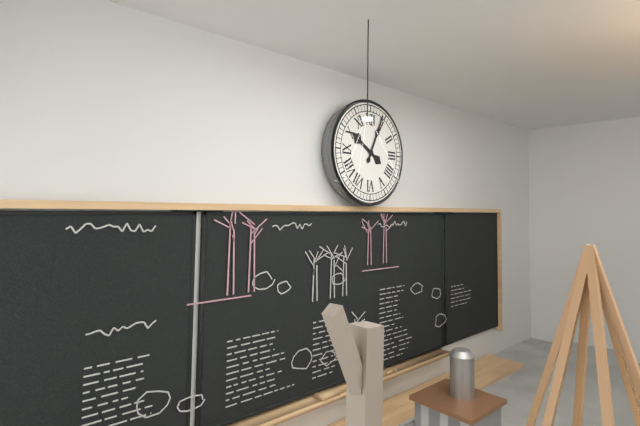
10:04
